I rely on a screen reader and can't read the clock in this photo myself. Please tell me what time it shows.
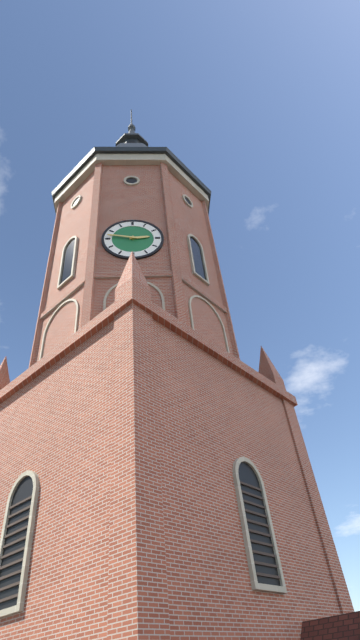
2:47
